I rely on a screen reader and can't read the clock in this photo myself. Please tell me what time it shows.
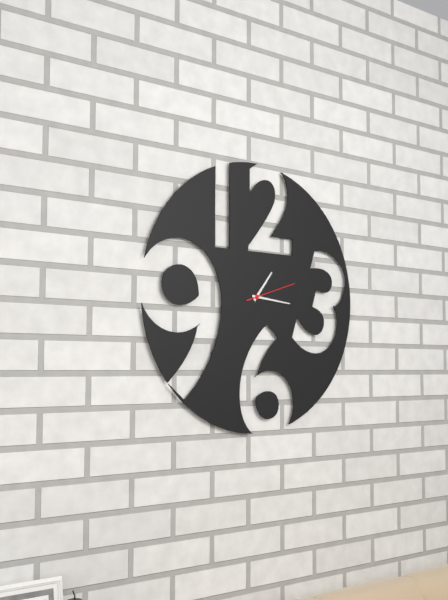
1:16:12
